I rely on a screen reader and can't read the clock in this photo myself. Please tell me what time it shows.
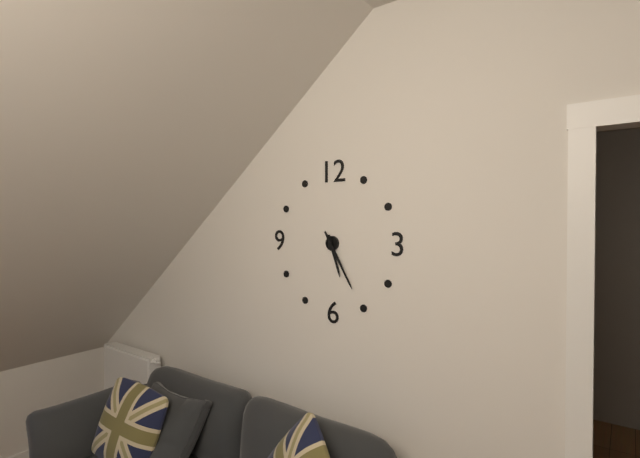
5:25
